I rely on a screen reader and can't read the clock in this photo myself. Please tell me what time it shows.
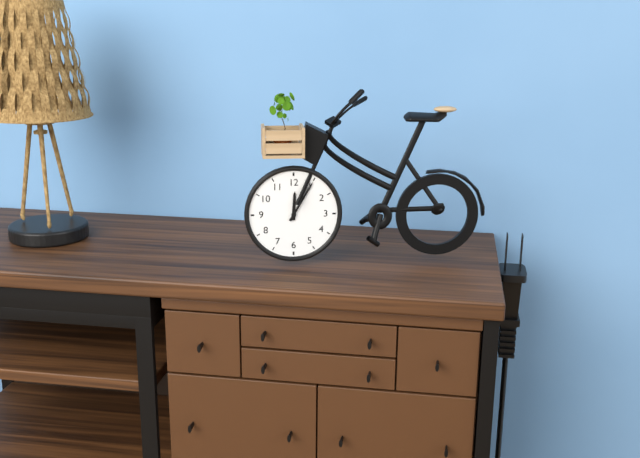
12:05
